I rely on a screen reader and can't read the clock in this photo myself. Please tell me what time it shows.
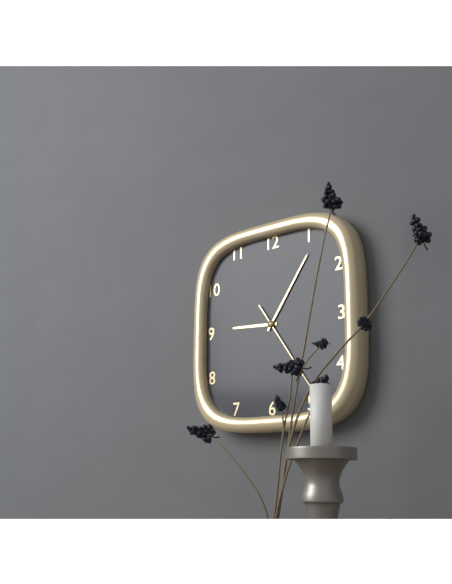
9:06:24
